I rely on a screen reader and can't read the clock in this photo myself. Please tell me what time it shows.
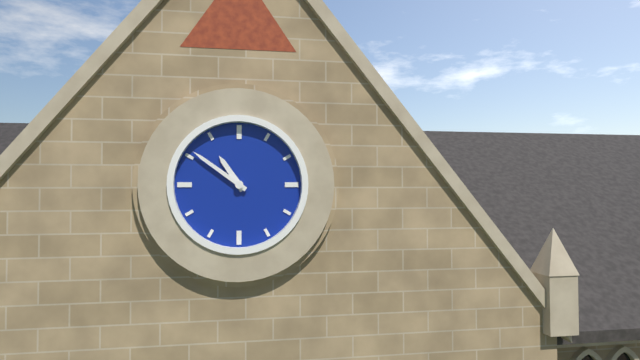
10:51
